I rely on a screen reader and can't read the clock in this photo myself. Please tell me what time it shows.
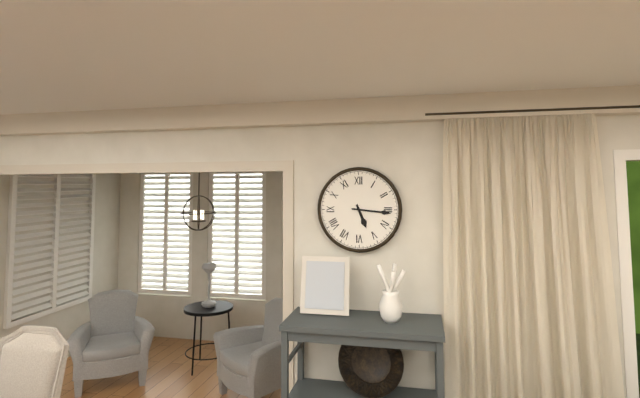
5:16
